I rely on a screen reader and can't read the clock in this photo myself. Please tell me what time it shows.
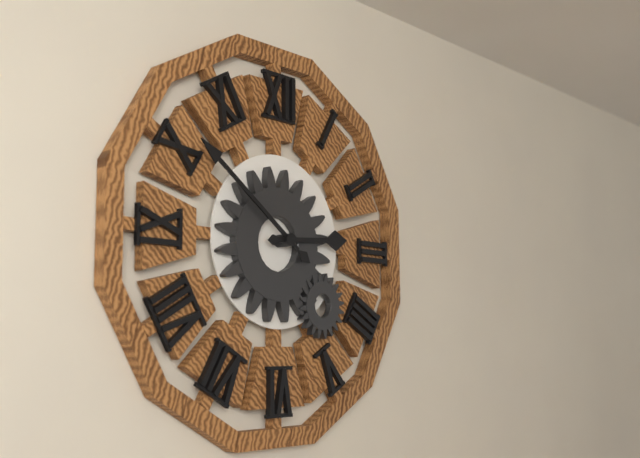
2:51
